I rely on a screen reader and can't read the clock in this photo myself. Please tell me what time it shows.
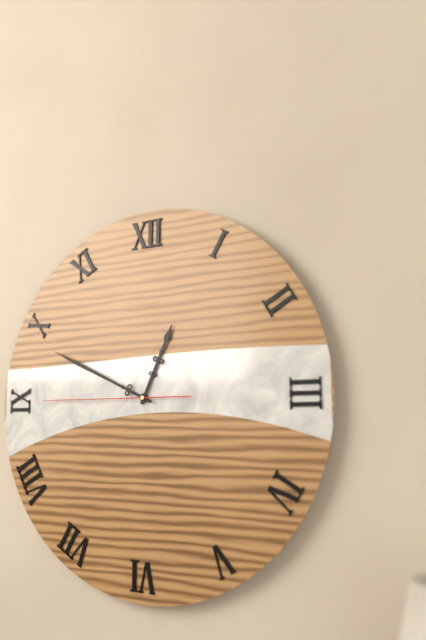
12:49:45
